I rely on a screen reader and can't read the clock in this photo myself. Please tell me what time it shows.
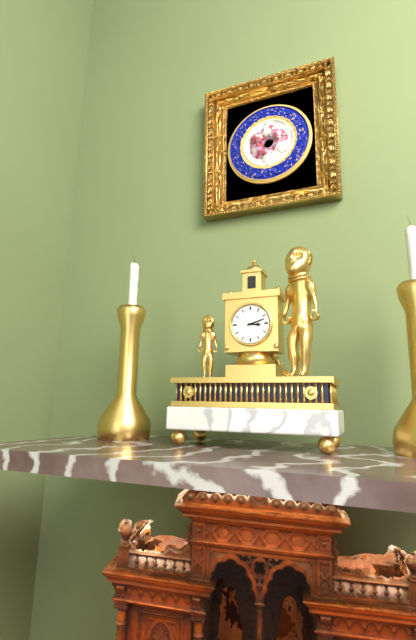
3:12
